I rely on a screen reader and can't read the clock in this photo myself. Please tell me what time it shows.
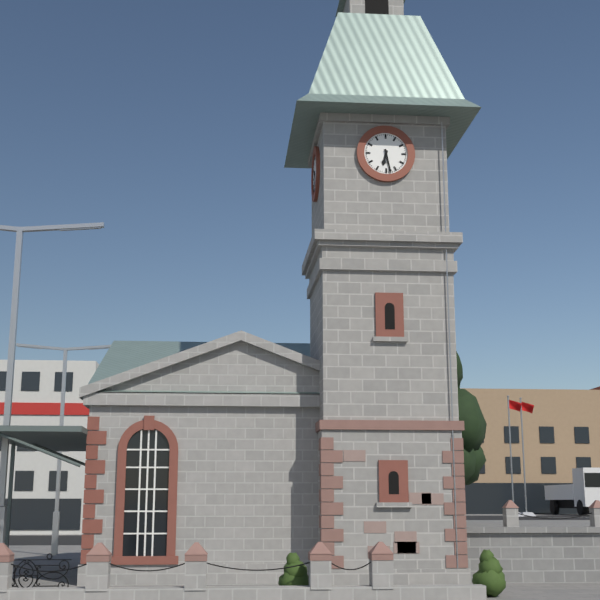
6:28
